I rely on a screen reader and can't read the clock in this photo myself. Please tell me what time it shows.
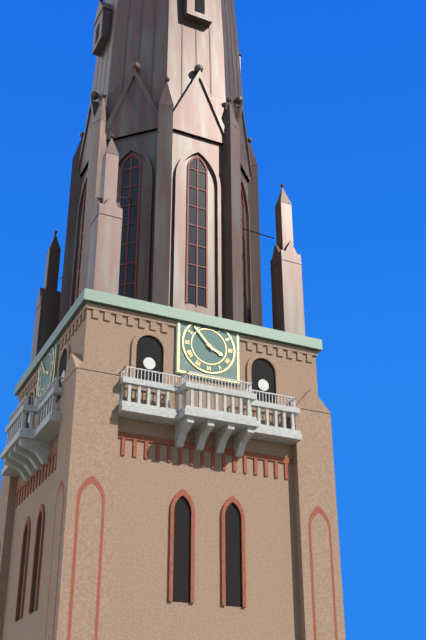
3:53
